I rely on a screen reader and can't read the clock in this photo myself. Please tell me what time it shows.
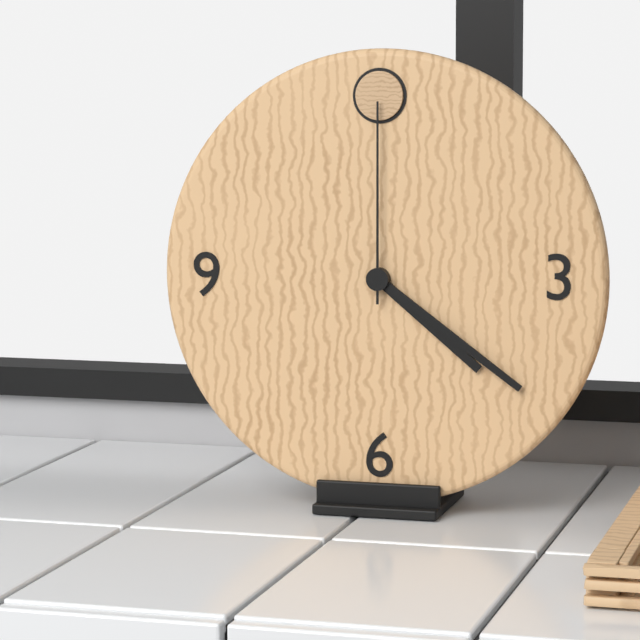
4:21:00
